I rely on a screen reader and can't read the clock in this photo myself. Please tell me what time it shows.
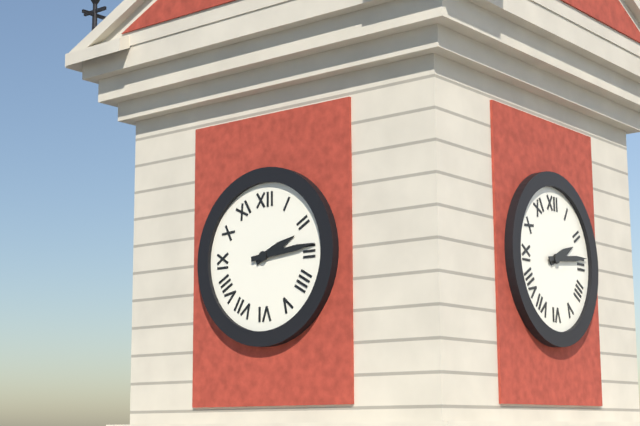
2:14
